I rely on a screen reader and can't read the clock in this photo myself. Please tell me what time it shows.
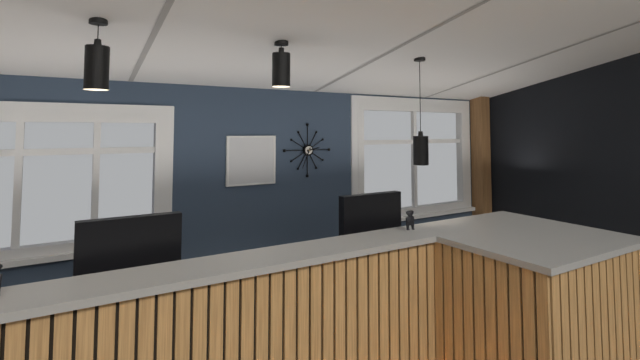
2:34
